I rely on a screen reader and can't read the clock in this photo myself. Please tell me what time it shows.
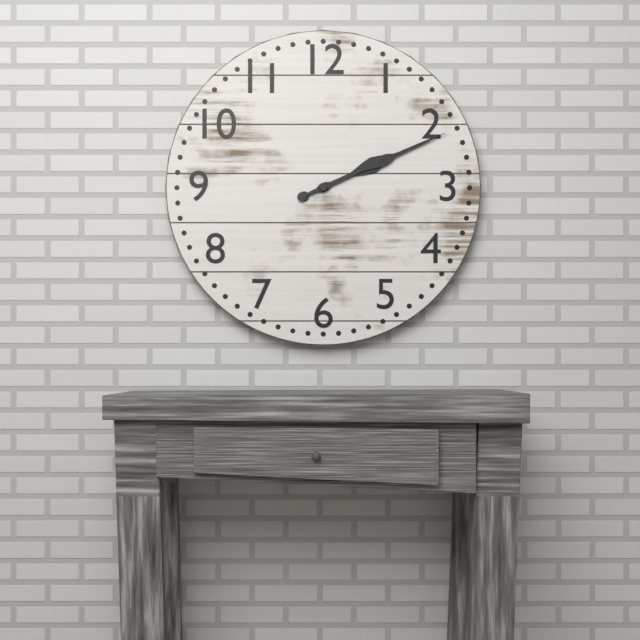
2:11
